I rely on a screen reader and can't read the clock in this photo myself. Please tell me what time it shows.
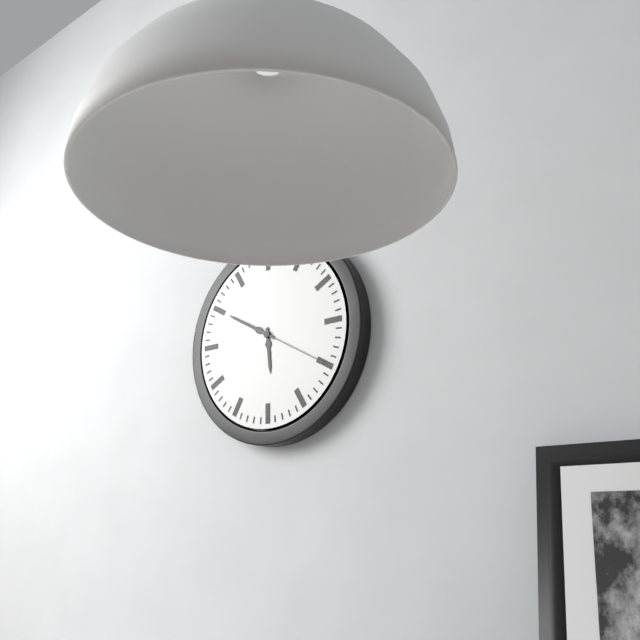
5:50:20
